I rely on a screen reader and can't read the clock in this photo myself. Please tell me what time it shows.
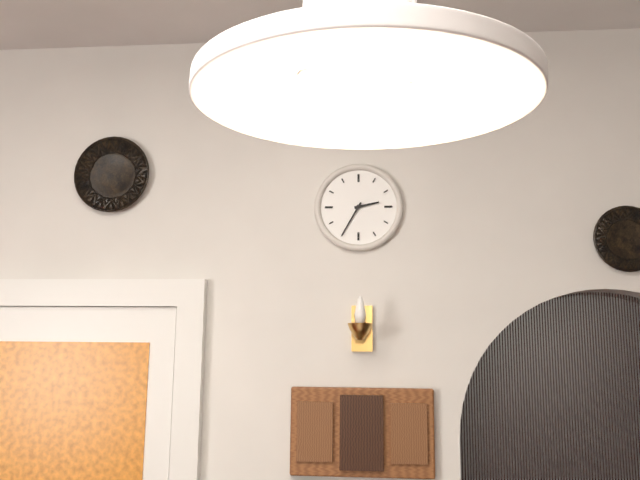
2:35
